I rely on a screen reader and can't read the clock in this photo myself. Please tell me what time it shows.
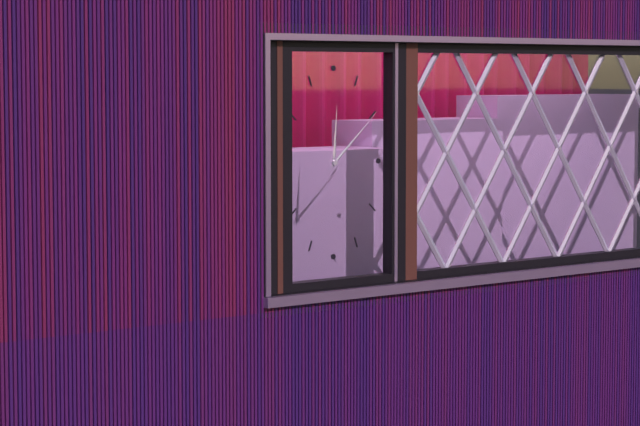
12:08
